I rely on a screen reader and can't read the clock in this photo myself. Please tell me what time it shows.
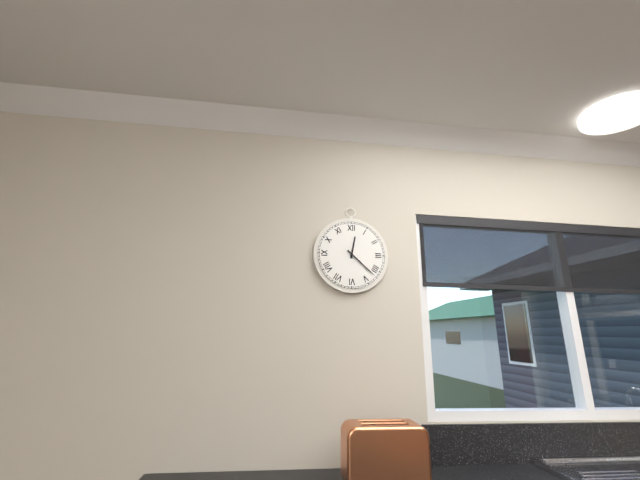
12:22
